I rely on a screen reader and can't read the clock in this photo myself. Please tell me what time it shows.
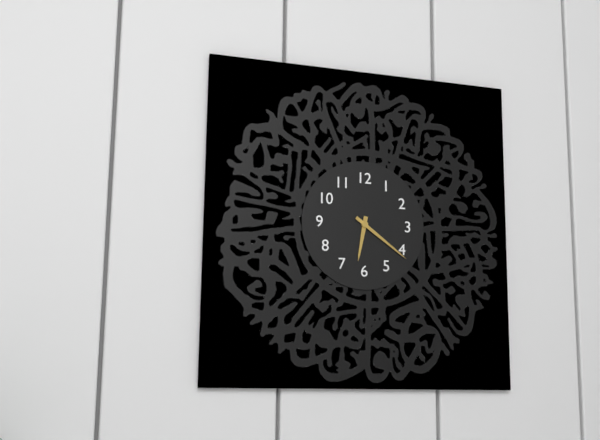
6:21
